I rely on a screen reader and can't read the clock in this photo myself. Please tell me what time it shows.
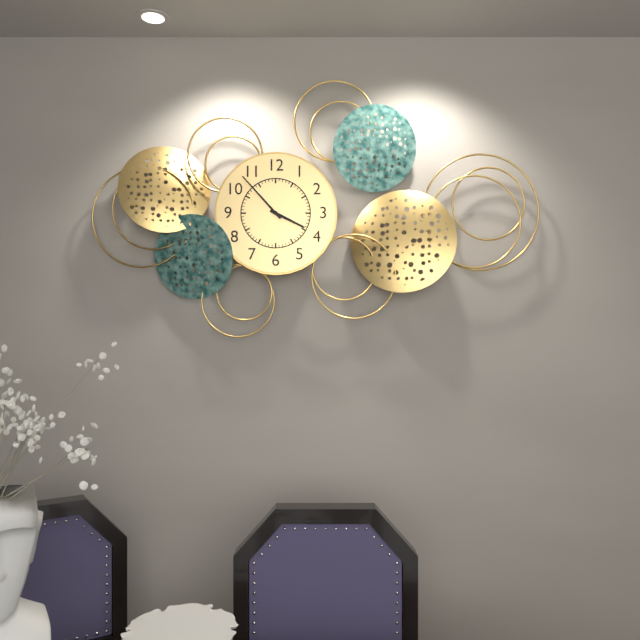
3:53
